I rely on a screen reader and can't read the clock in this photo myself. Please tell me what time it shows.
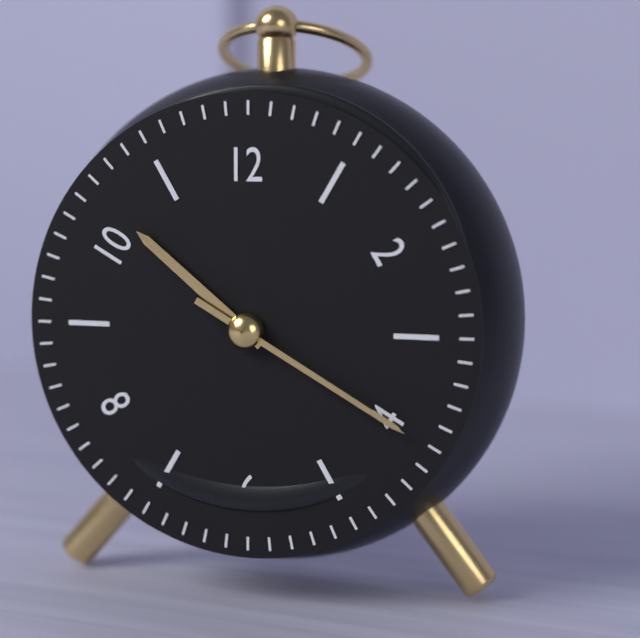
10:20
